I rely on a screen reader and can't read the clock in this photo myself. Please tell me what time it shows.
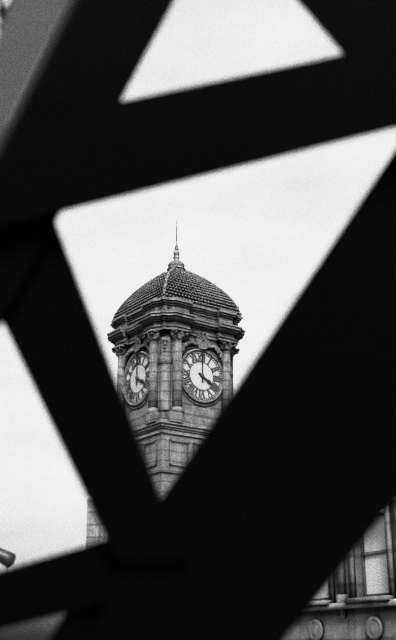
4:00
